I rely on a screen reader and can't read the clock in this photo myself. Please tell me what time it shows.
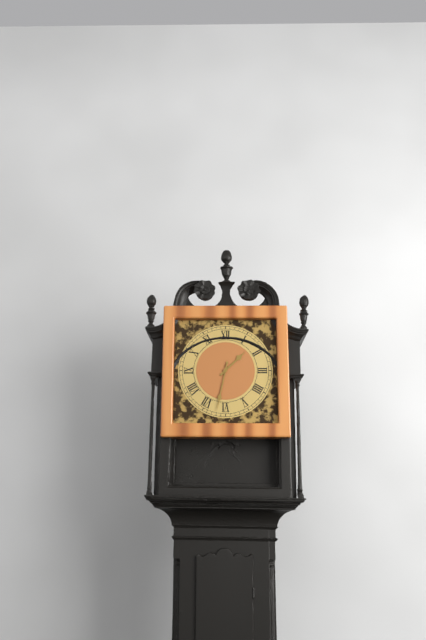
1:32
